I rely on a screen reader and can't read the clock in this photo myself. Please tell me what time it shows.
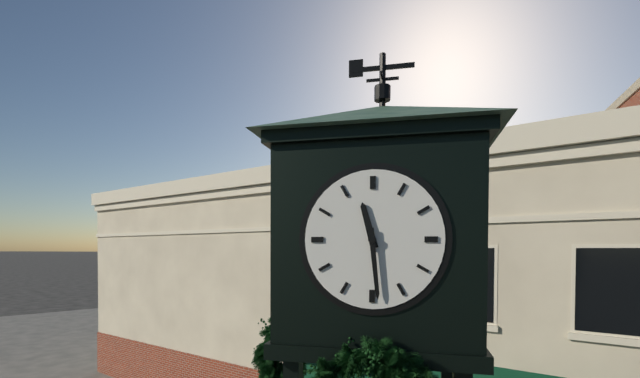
11:29
